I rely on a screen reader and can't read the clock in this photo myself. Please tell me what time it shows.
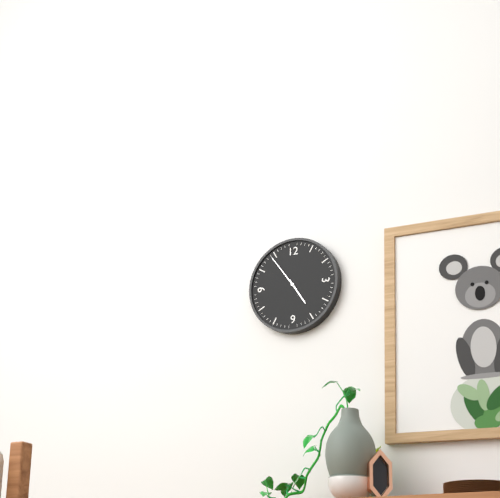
4:54
